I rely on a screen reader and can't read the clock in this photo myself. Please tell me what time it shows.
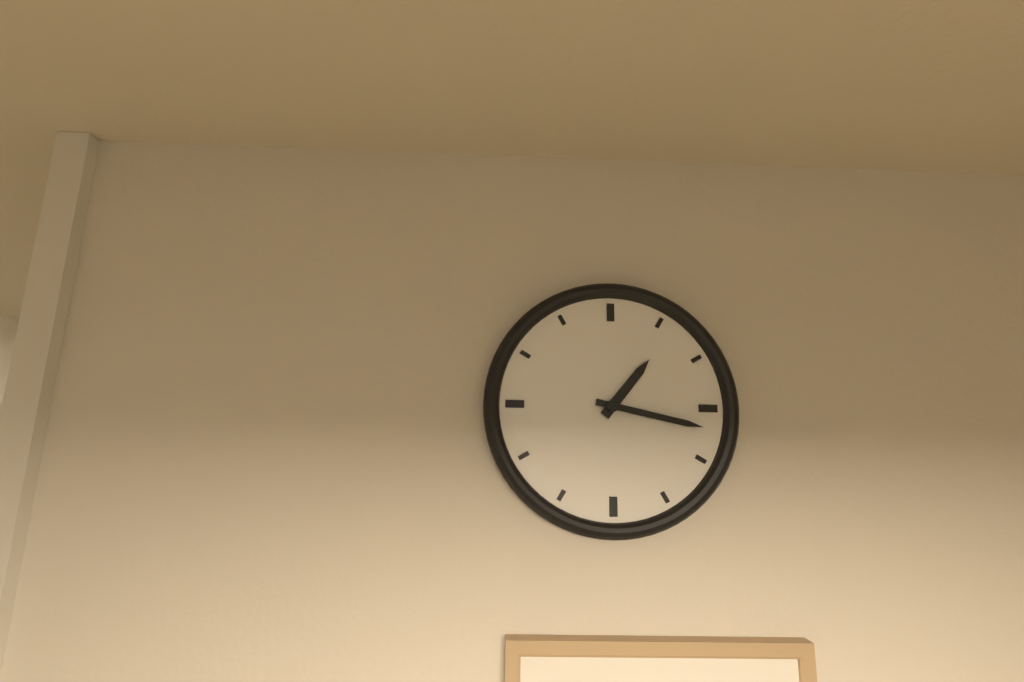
1:17
